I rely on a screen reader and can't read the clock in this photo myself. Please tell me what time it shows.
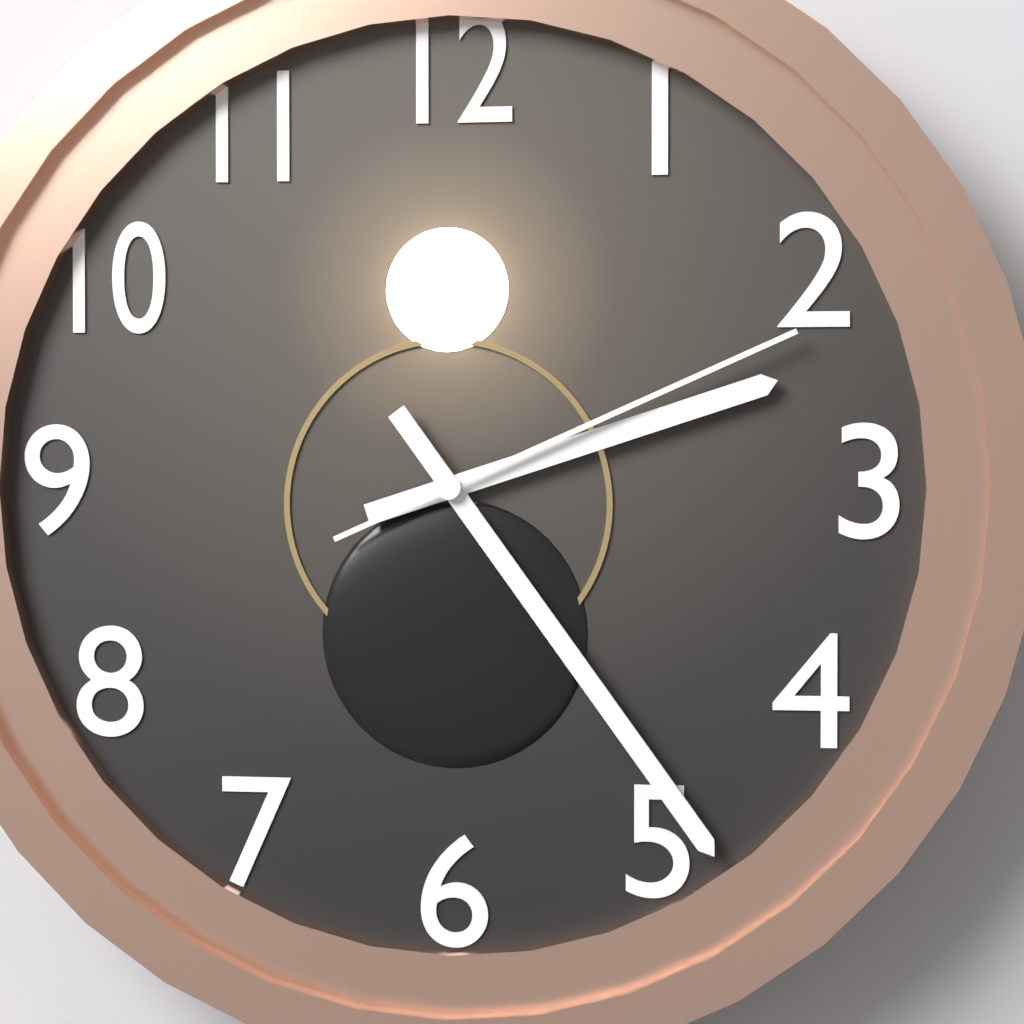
2:24:11
